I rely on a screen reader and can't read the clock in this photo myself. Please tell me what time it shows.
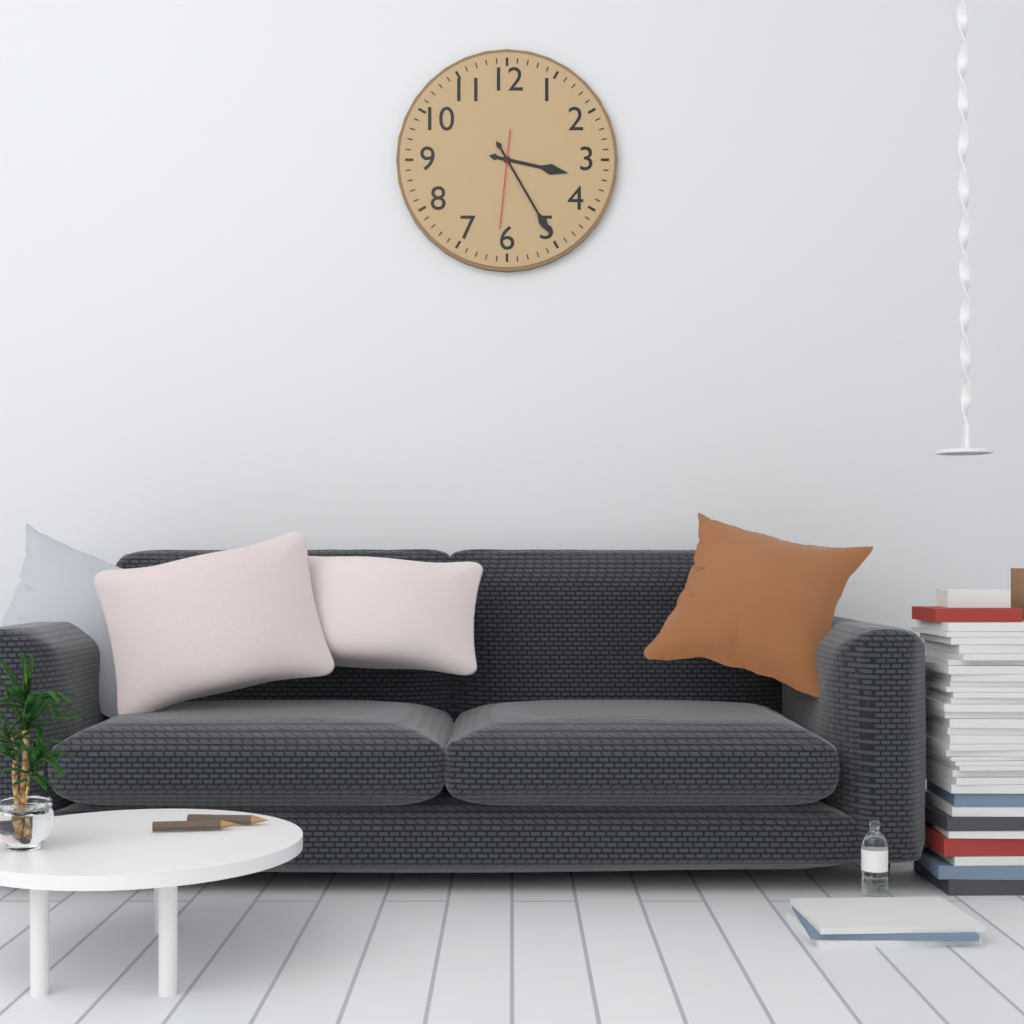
3:25:31
